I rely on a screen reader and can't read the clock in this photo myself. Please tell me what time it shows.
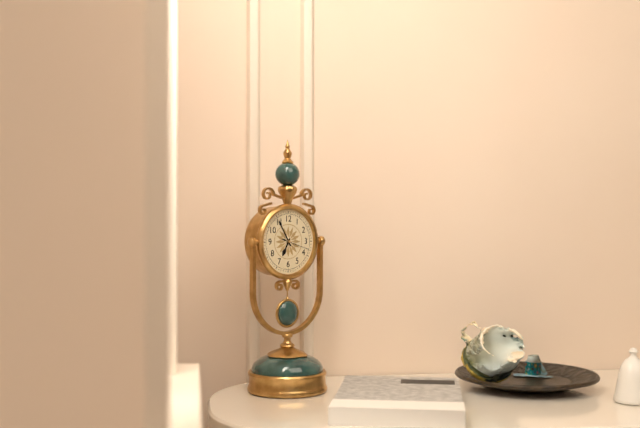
6:55
